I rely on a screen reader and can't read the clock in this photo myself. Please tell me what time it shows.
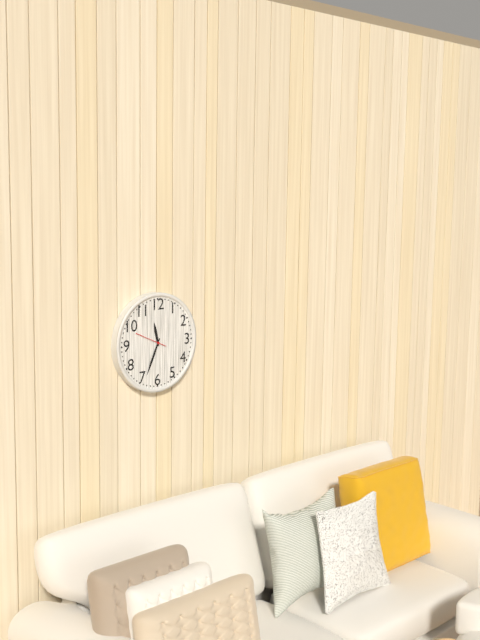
11:34
